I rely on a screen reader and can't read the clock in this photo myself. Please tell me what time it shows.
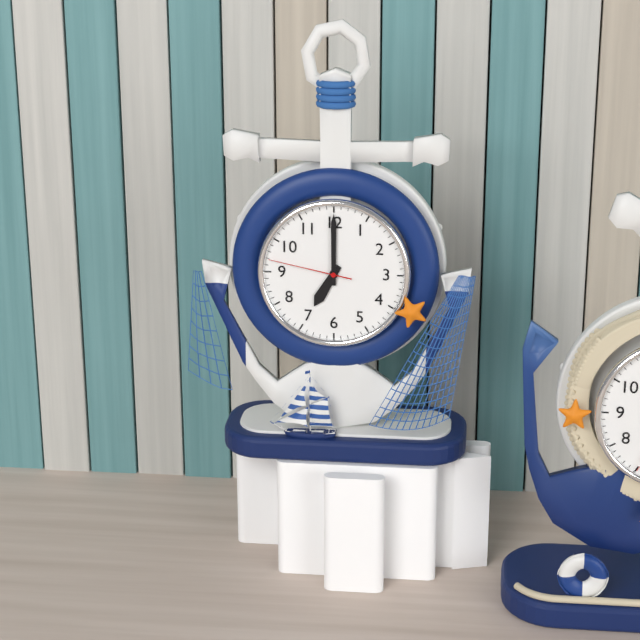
7:00:47
